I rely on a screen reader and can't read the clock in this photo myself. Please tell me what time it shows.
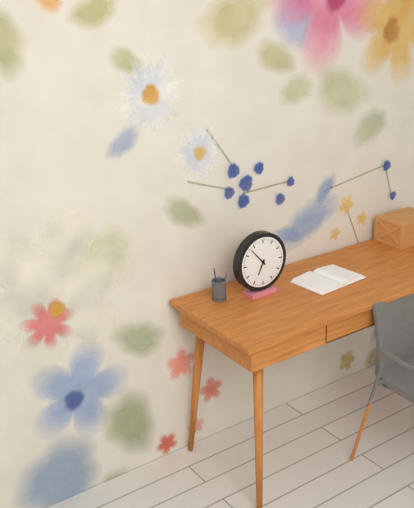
6:53
